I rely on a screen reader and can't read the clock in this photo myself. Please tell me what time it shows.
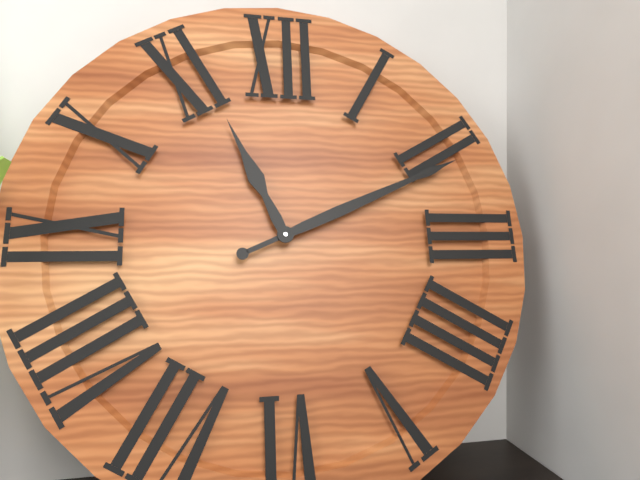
11:11
